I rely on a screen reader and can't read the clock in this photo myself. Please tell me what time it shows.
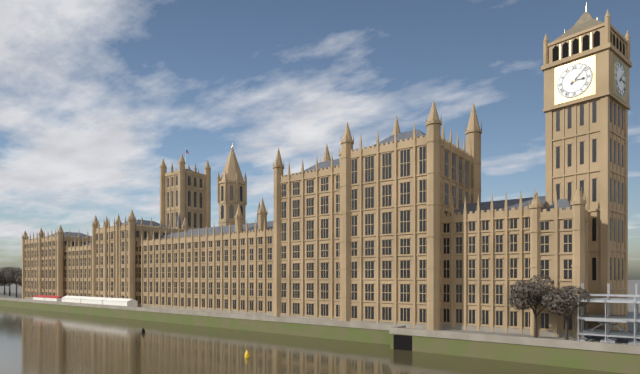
3:08
